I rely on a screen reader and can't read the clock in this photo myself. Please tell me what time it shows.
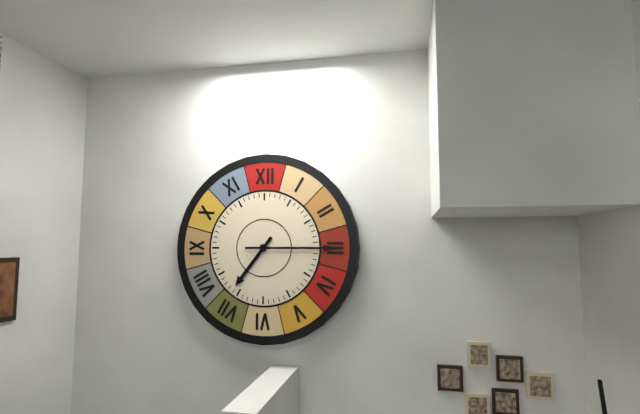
7:15
